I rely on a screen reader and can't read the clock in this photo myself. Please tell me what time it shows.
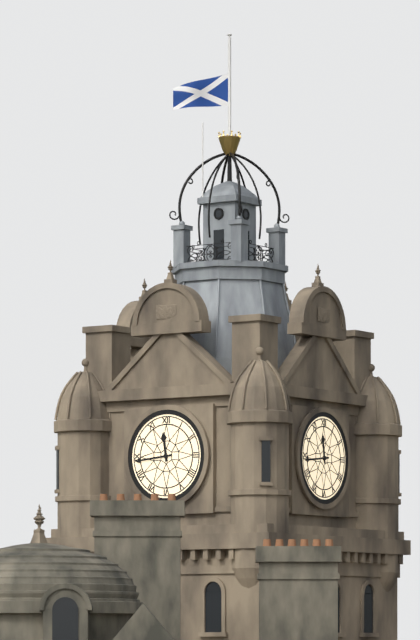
11:44
